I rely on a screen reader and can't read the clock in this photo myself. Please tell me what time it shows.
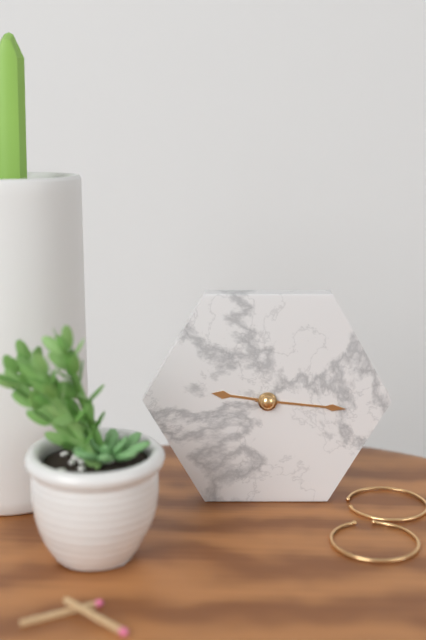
9:16
